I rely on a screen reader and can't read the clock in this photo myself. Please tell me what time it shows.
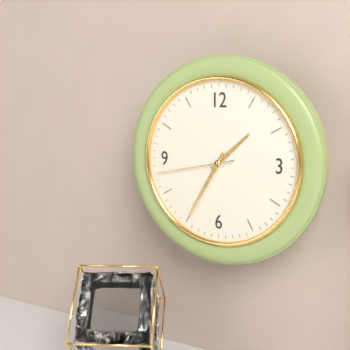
1:35:43
